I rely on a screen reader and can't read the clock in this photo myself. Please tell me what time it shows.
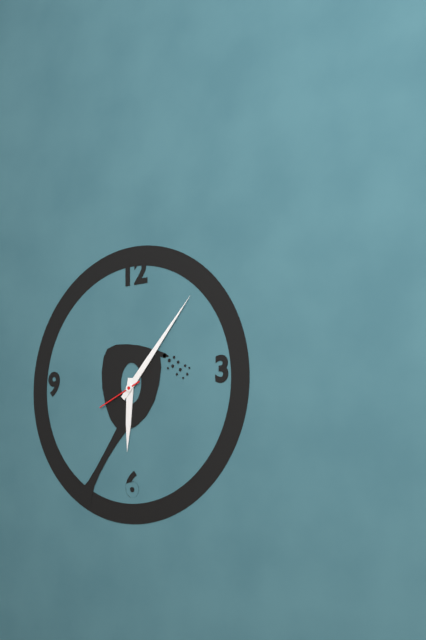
6:07
